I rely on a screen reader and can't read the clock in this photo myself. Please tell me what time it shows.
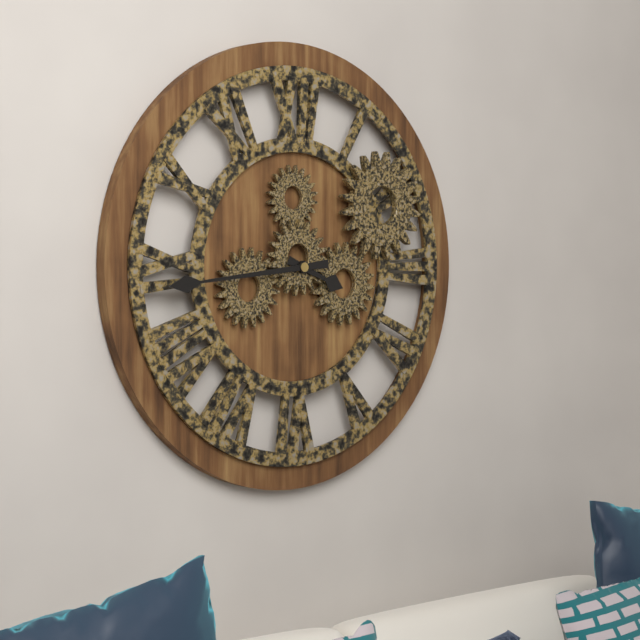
3:44
